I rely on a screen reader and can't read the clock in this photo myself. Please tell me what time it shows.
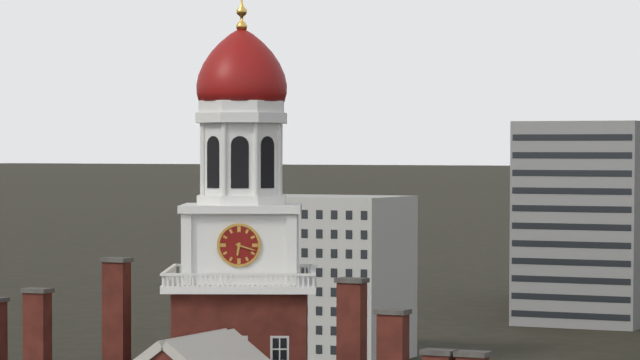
6:18
